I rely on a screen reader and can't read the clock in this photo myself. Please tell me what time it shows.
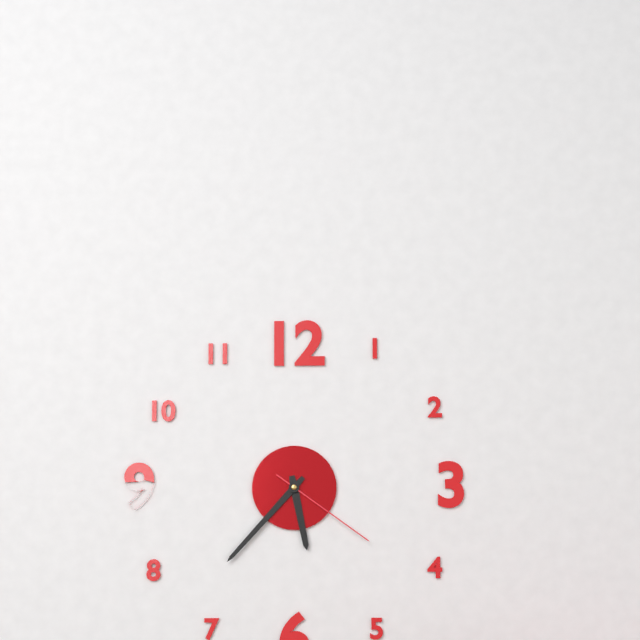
5:37:21
